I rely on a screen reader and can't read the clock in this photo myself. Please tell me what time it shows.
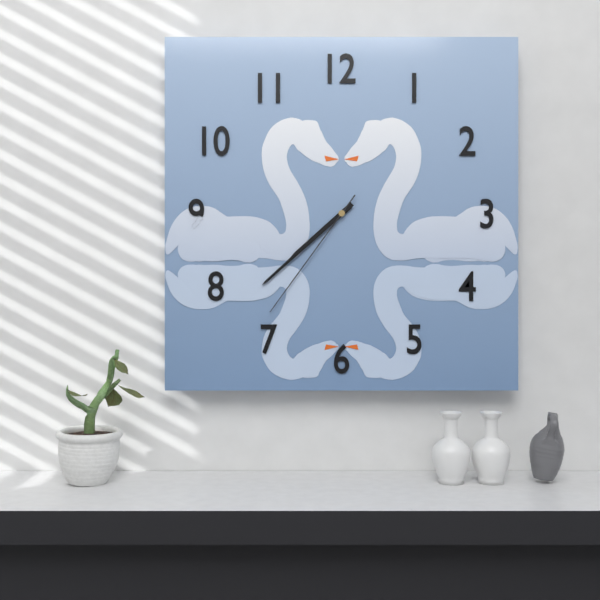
7:38:36
